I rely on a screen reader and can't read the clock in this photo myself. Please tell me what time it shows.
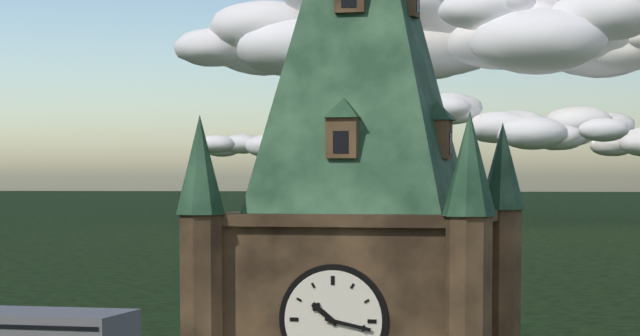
10:17
